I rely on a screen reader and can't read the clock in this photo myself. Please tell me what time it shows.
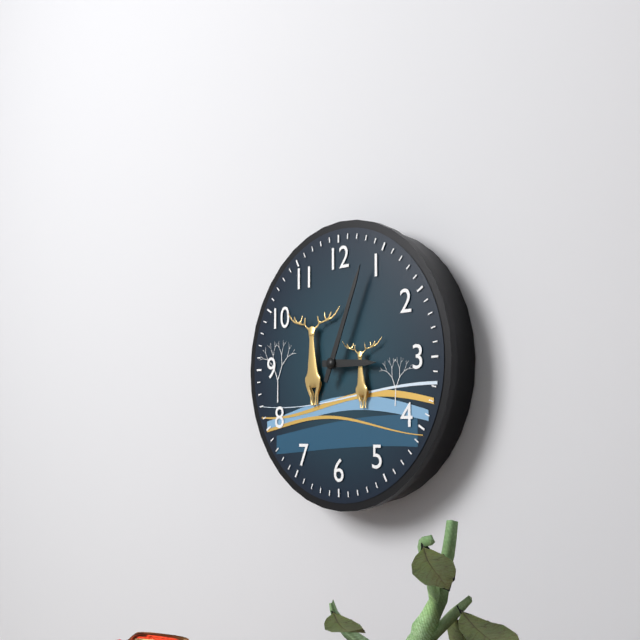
3:04
